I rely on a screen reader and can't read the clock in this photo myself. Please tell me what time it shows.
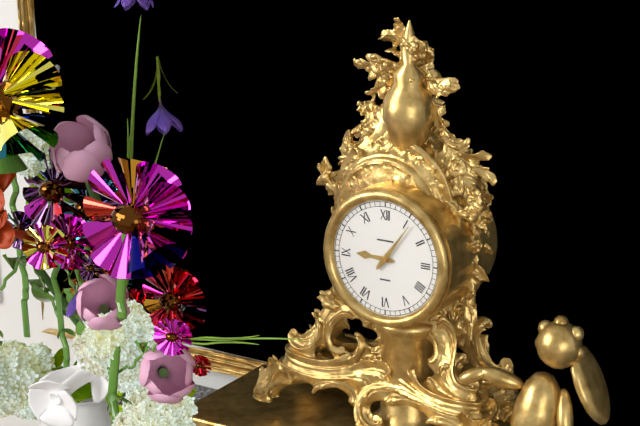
9:06
